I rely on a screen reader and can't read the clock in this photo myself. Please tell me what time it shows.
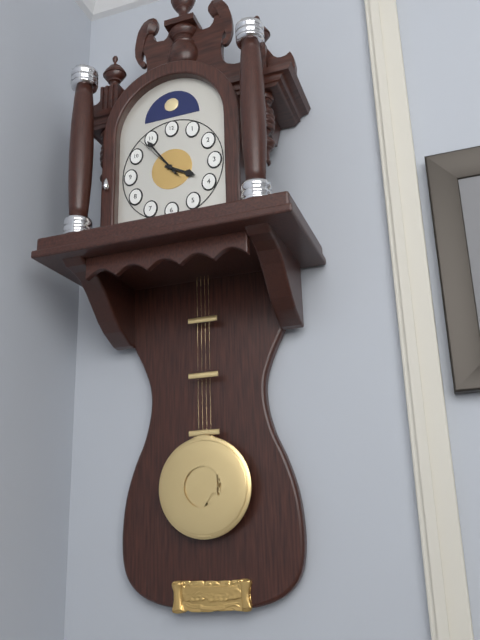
3:54:53
